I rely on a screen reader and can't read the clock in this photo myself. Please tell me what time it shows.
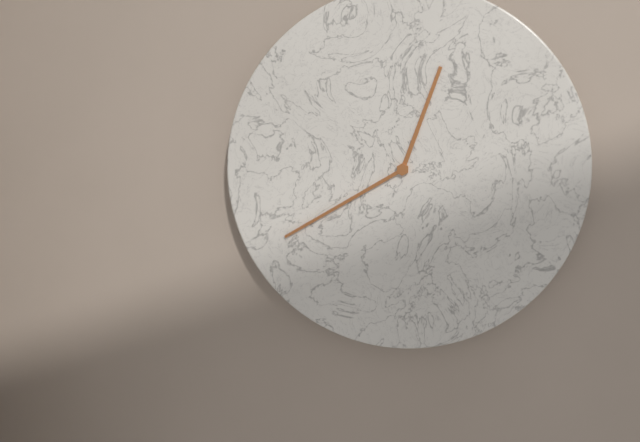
12:40
